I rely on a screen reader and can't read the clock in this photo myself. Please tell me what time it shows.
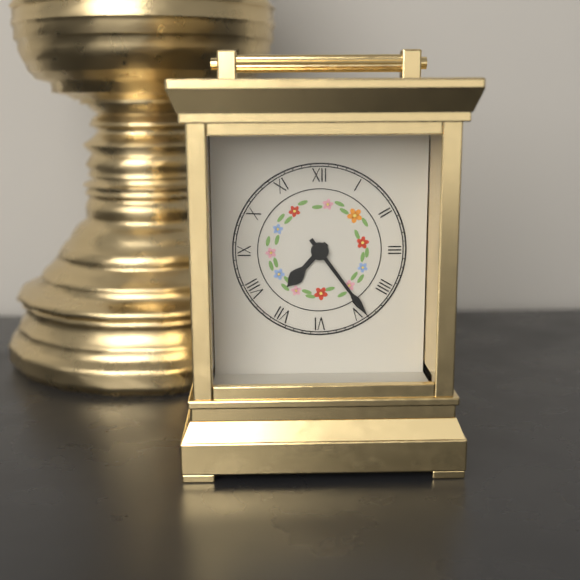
7:24
